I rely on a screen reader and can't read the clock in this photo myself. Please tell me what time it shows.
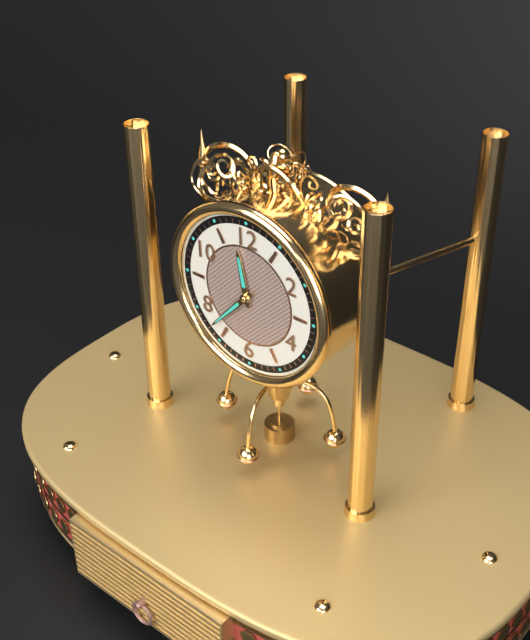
11:37
